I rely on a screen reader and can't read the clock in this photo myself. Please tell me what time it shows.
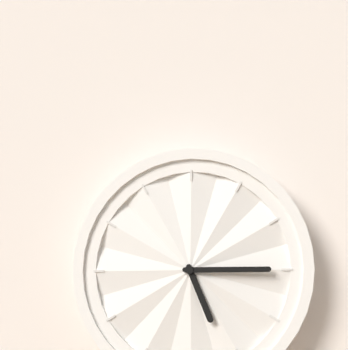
5:15
